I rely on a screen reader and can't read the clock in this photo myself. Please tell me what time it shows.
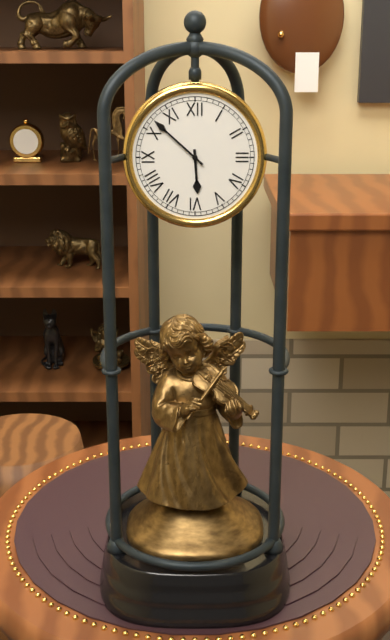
5:52
